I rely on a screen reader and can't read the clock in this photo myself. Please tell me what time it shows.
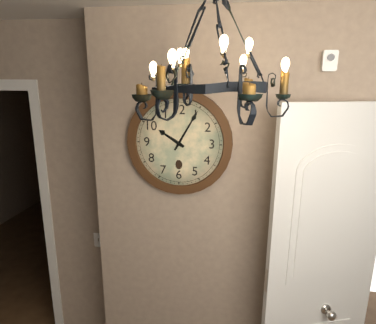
10:05
